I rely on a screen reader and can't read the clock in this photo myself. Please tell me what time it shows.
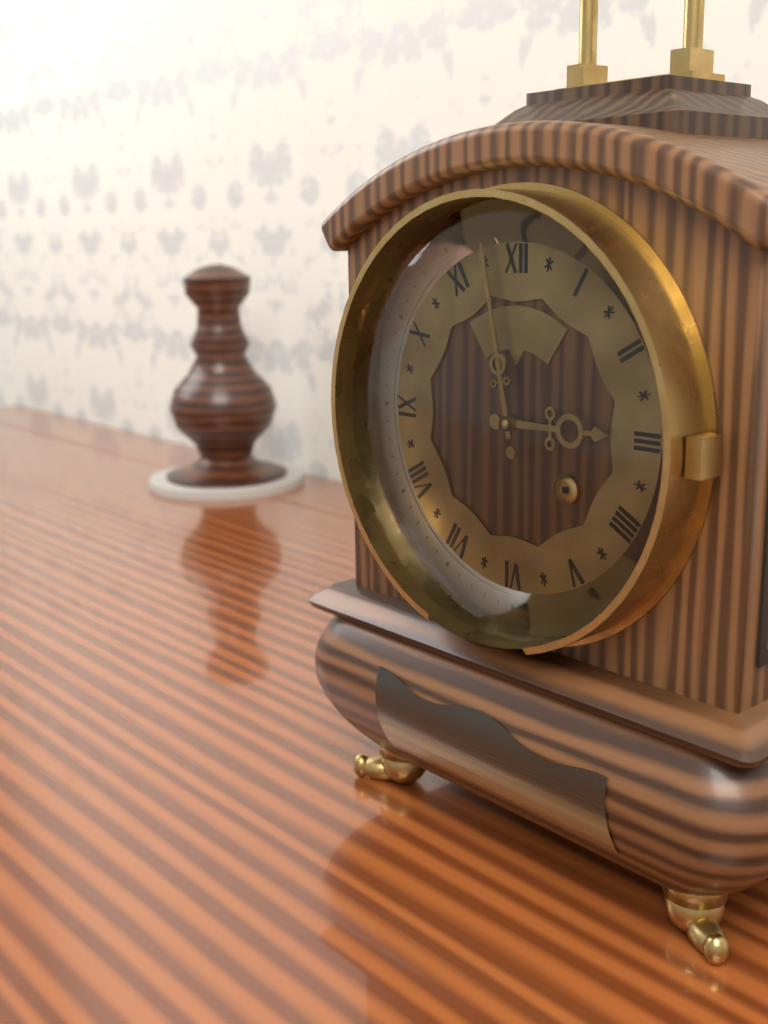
2:58
